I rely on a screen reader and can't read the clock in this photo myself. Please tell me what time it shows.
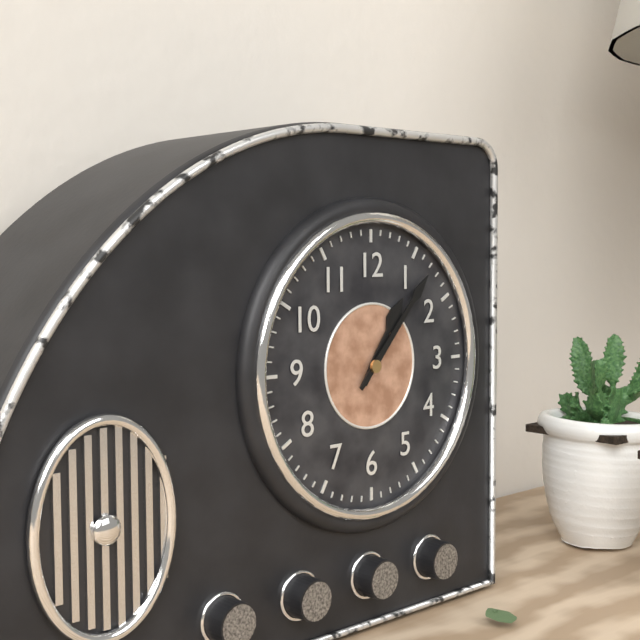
1:07
